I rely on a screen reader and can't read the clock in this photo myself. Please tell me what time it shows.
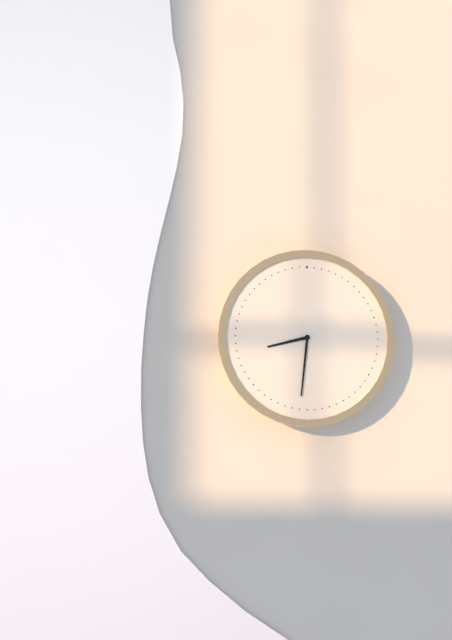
8:31
